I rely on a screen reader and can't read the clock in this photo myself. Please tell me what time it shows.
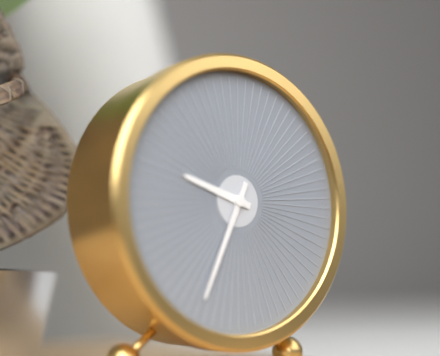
9:34
